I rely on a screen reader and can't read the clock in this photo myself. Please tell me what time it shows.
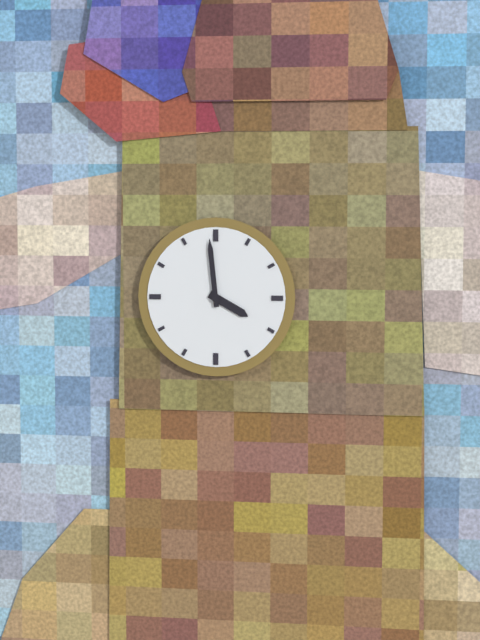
3:59
